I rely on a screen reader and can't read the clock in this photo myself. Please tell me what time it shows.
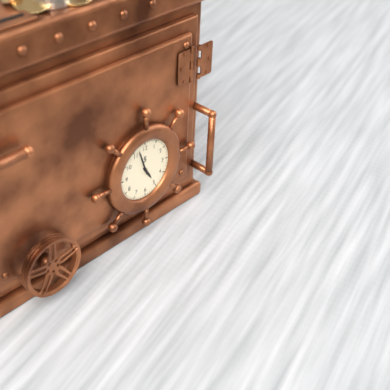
4:57
